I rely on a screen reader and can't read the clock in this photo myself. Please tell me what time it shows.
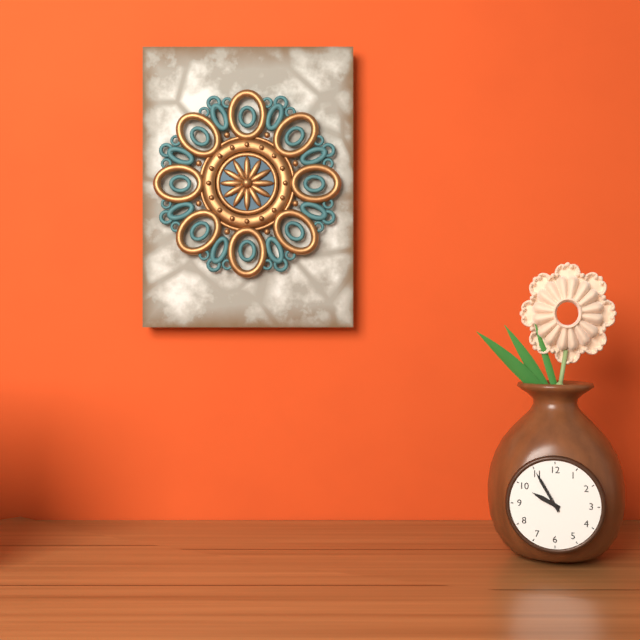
9:55
